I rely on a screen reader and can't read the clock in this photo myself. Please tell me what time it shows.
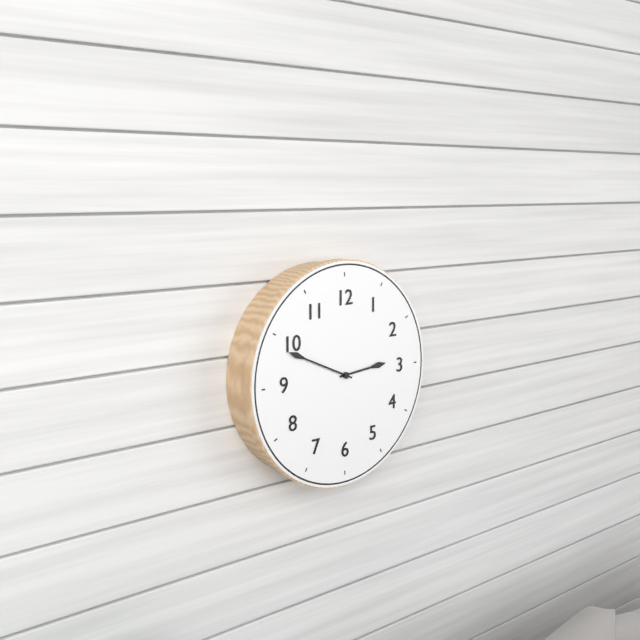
2:49
